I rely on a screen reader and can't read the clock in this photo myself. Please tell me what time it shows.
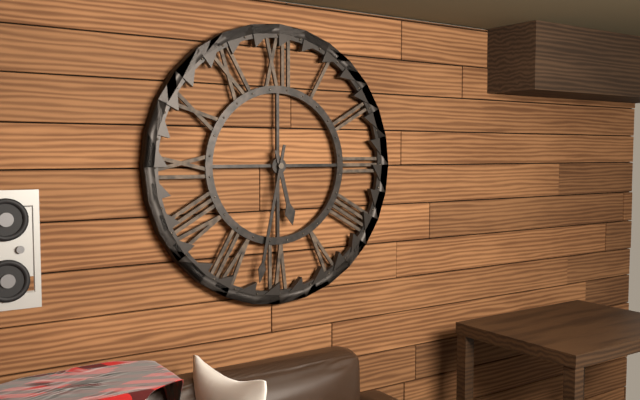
5:32
